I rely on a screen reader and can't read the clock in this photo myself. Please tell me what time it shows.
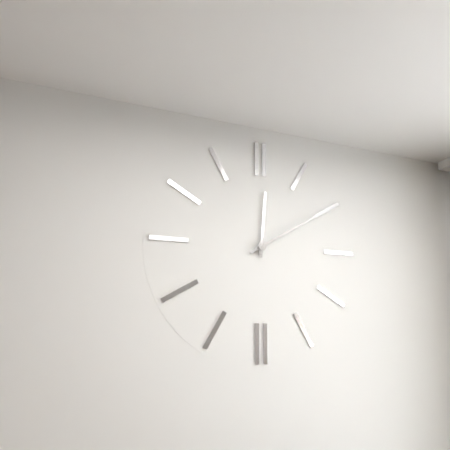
12:10
